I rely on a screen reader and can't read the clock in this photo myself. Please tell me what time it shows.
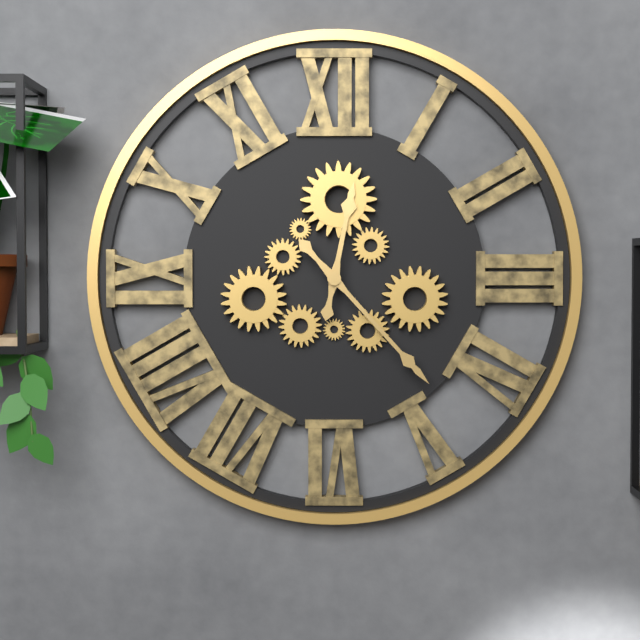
12:23
